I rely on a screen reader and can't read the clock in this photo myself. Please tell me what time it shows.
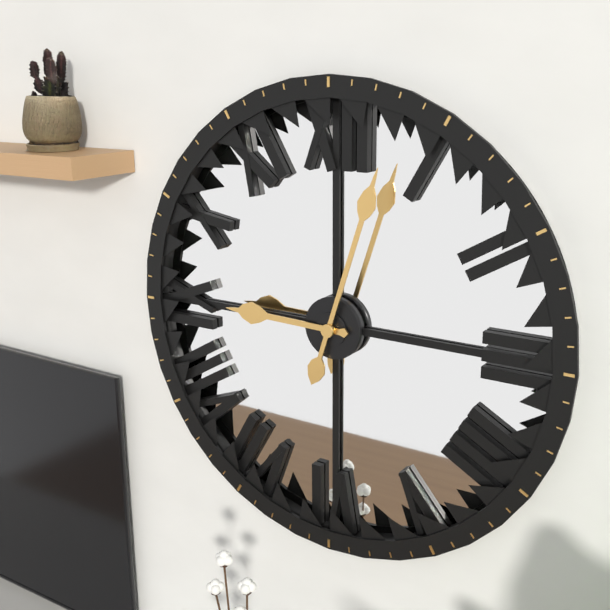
9:03
